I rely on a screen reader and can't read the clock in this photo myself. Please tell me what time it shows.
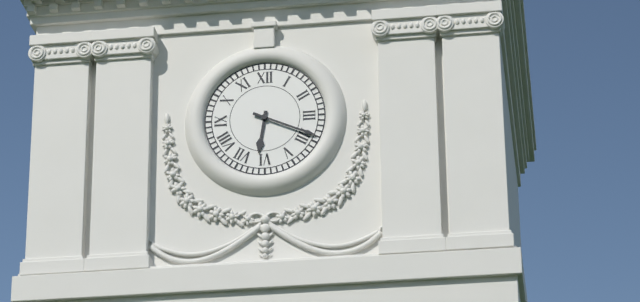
6:19
